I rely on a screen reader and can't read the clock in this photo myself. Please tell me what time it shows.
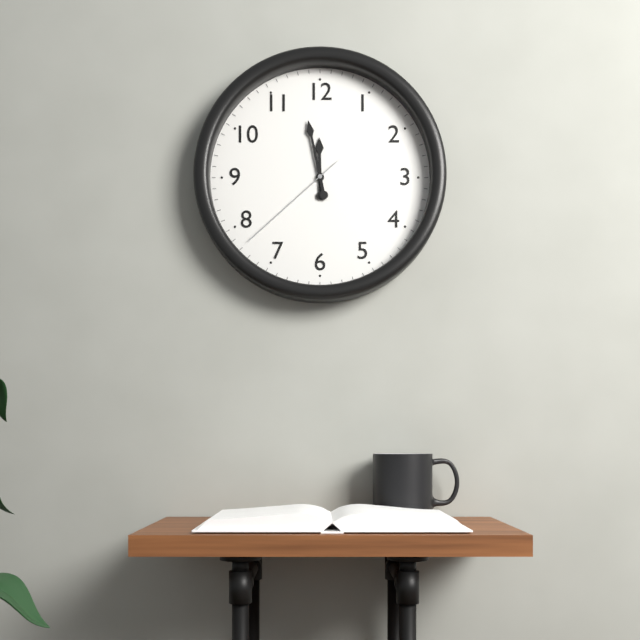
11:58:38
